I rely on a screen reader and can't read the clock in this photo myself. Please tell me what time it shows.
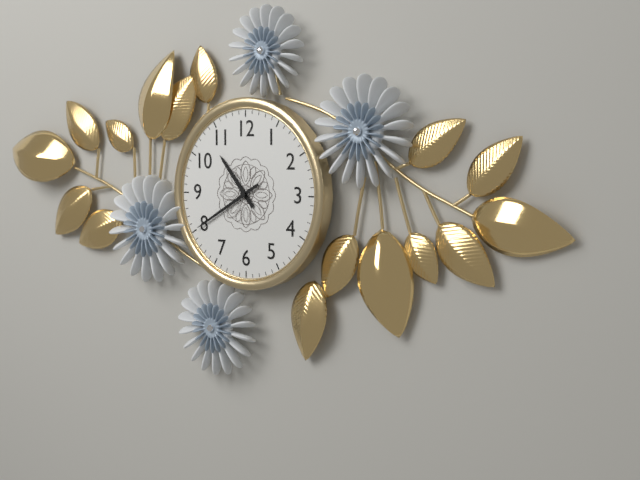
10:40
